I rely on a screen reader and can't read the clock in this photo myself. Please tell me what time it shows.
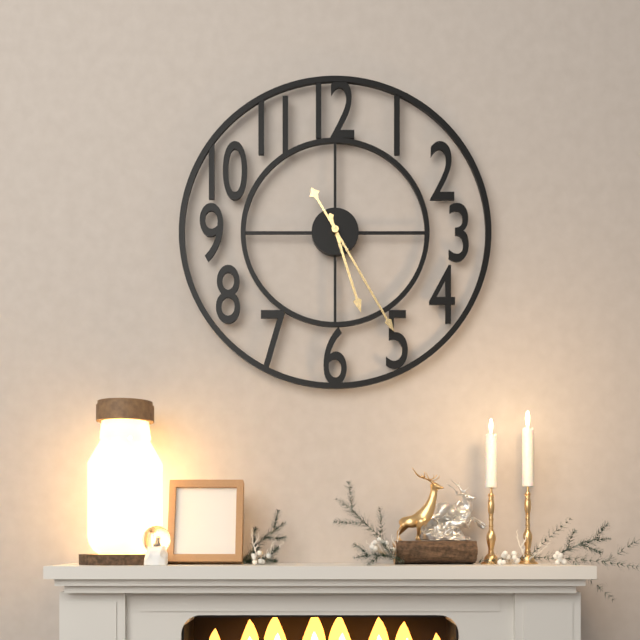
5:25
